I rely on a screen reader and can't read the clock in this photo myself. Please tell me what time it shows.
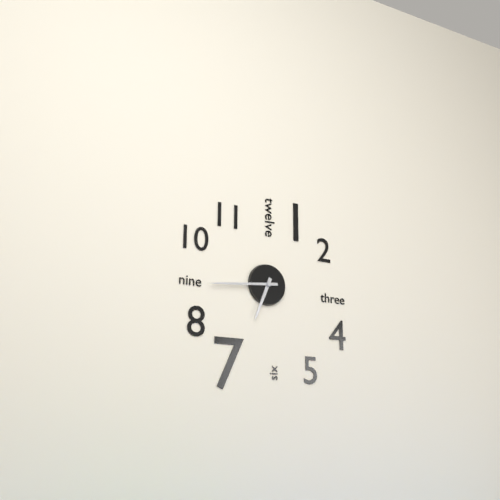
6:44
